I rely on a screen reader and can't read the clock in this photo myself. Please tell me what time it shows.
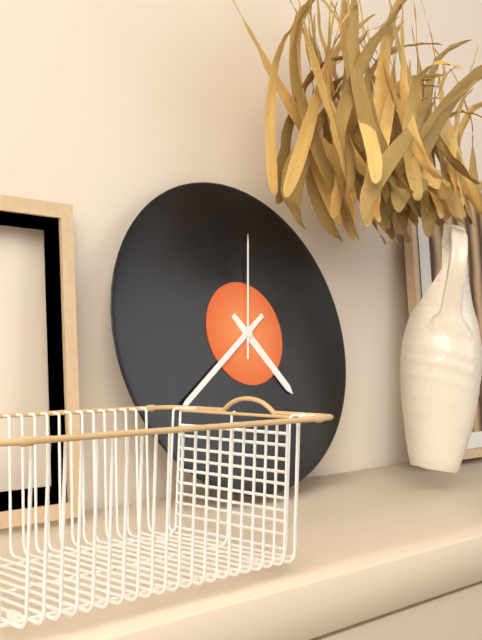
4:39:02
